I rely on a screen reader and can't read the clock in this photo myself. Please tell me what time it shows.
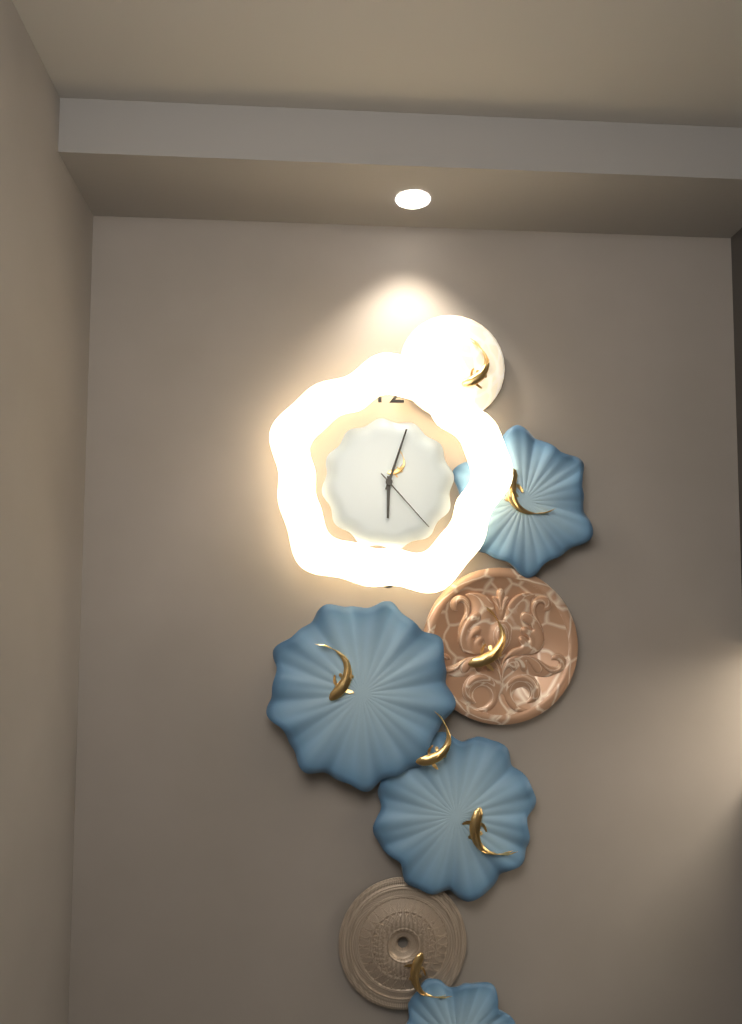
6:03:23
